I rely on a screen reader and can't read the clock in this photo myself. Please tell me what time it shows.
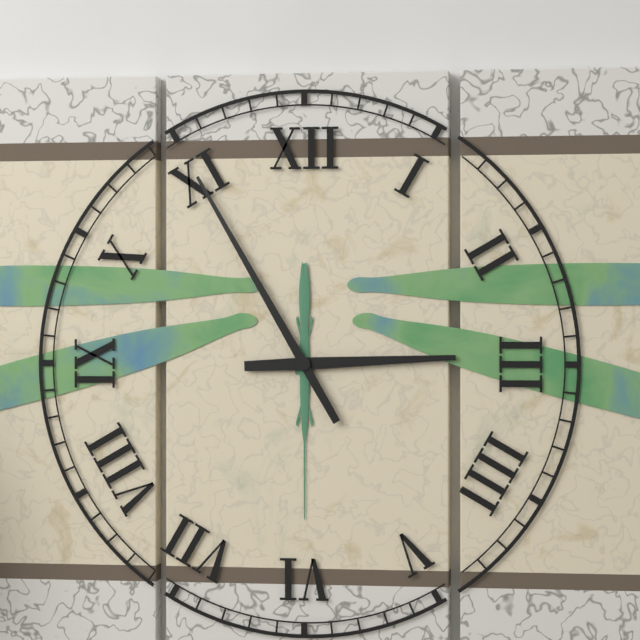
2:55
